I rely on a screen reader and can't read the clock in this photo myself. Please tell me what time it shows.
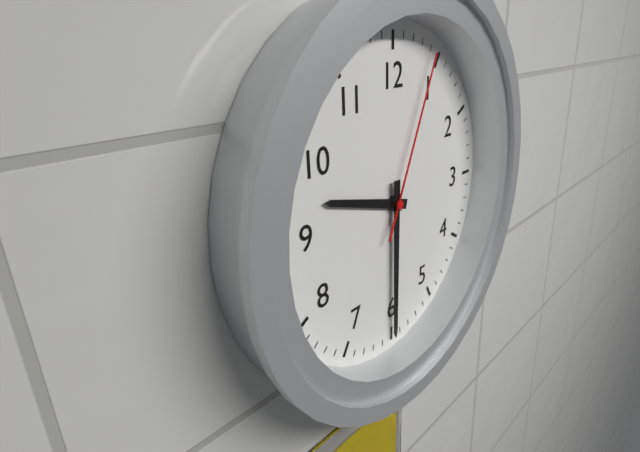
9:30:04
